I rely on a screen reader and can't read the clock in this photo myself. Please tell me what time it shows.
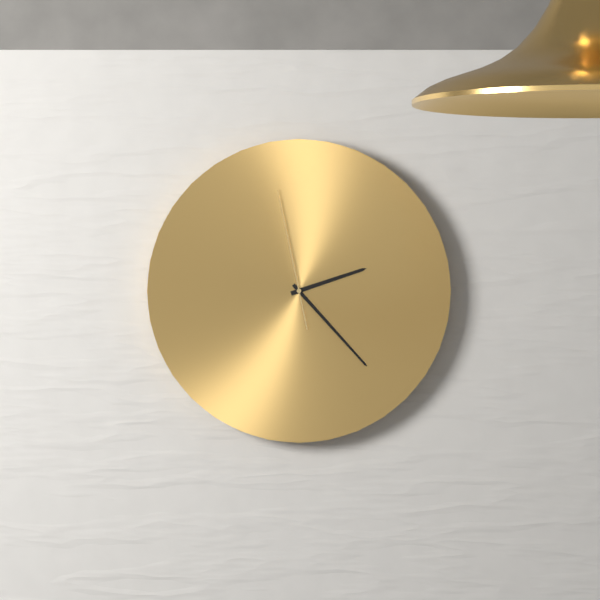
2:23:58
